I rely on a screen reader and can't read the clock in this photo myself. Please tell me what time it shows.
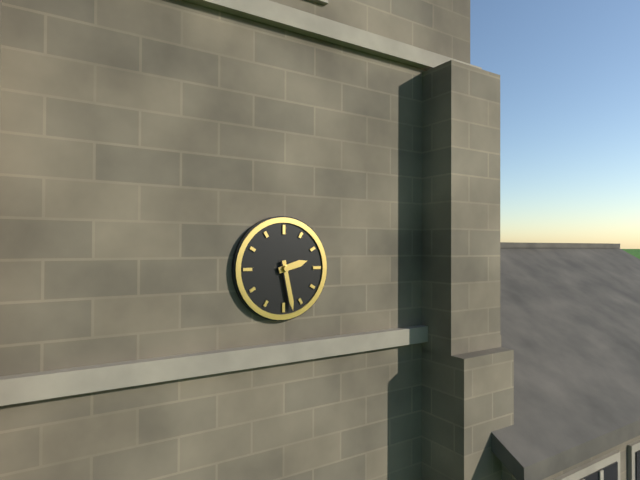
2:28
